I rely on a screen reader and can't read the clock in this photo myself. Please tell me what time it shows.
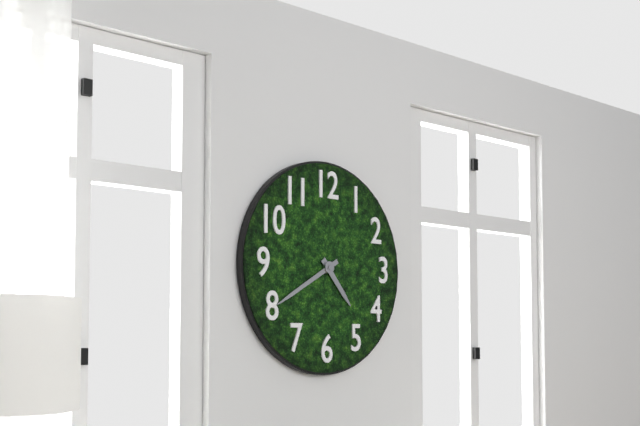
4:40
